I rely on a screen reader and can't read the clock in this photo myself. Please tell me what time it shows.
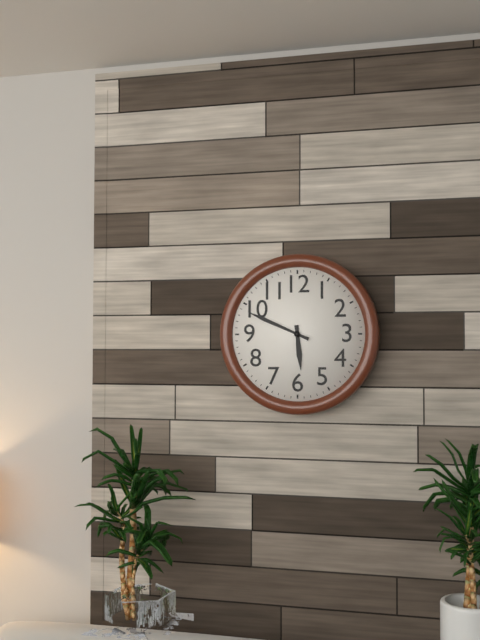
5:49
